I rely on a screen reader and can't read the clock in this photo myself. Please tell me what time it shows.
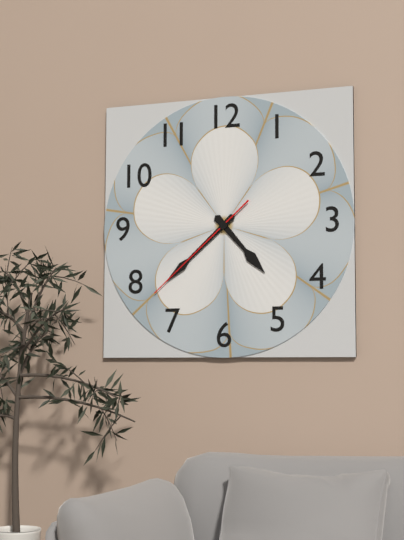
4:38:38
